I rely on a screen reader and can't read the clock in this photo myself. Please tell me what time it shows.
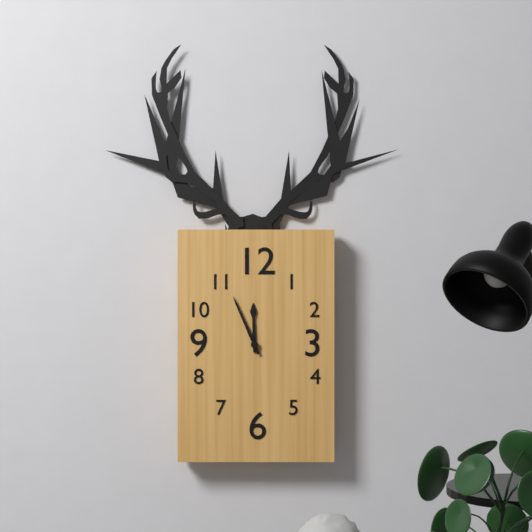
11:56
